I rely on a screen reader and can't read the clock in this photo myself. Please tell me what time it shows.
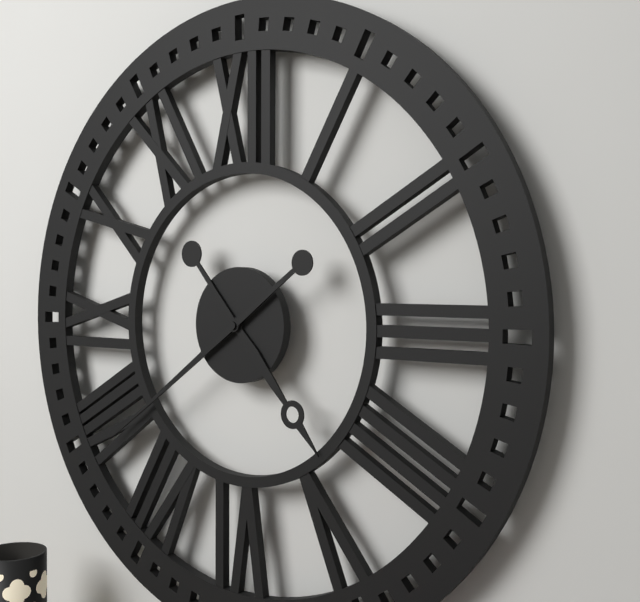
4:39
